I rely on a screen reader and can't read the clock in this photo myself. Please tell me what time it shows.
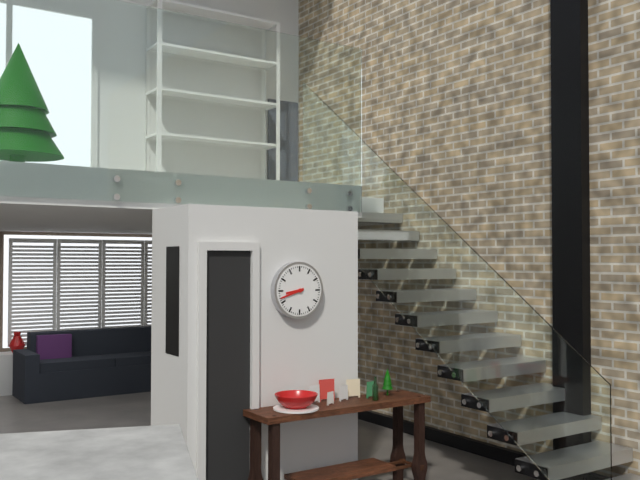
8:42
